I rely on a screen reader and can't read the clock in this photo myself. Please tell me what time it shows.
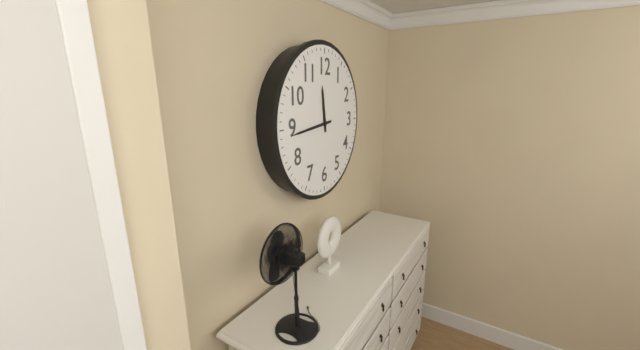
11:44
